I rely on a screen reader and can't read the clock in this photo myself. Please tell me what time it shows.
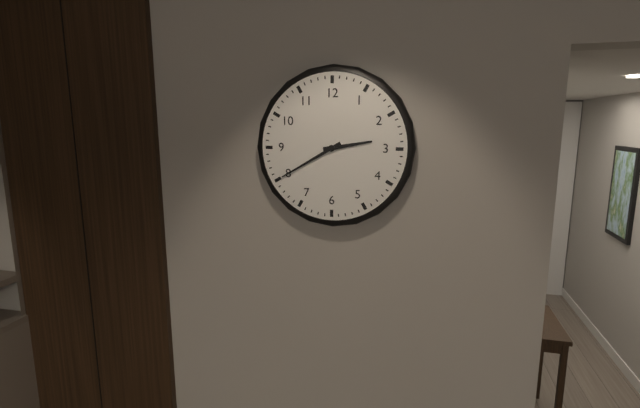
2:40
